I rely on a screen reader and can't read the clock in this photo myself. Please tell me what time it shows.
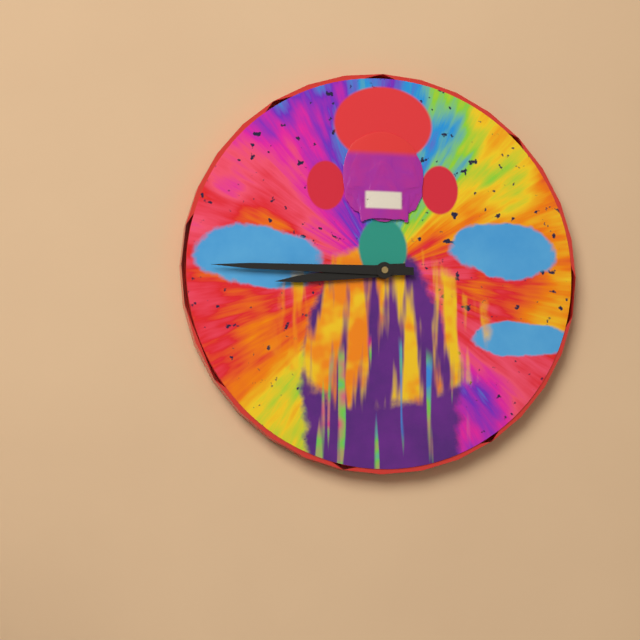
8:45
